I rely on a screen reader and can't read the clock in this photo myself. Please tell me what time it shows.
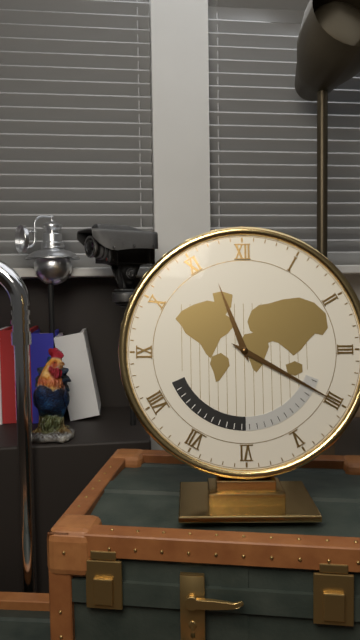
11:20
